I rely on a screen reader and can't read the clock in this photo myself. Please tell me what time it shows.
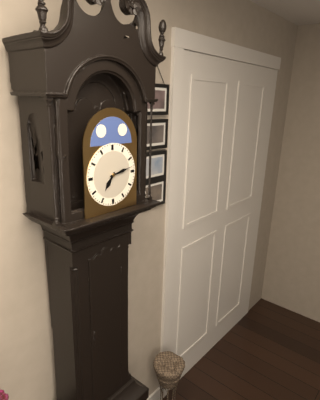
7:13
